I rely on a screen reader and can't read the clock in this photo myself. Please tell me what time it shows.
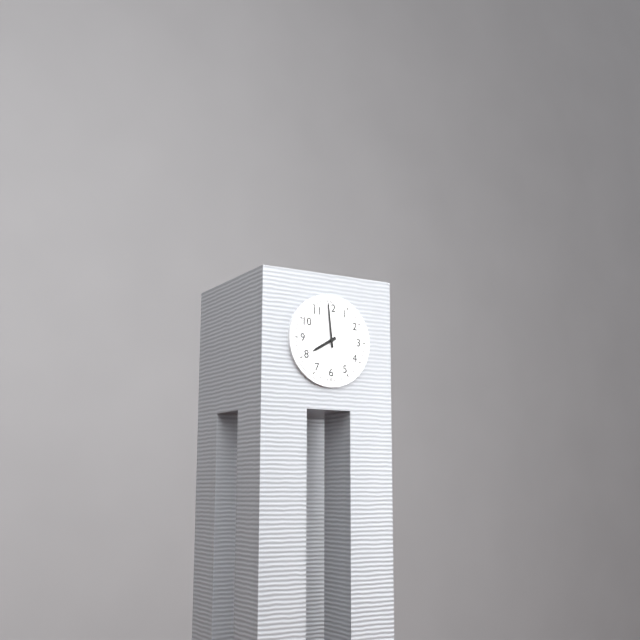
7:59
